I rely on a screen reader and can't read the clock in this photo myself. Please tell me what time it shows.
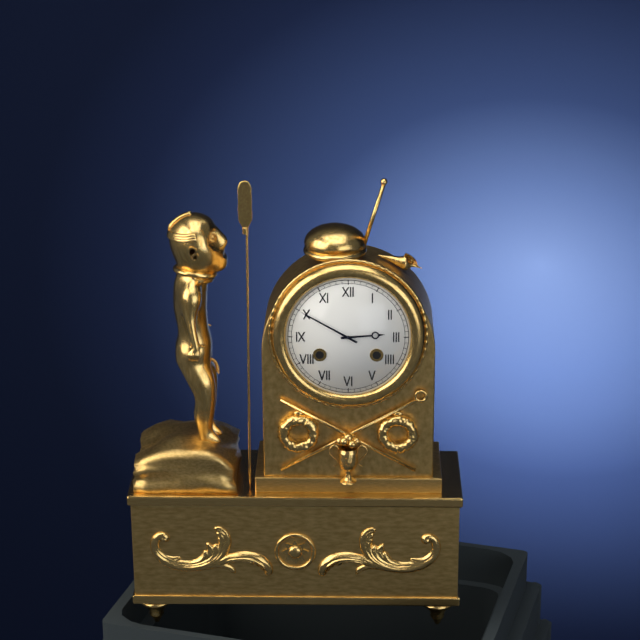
2:50
